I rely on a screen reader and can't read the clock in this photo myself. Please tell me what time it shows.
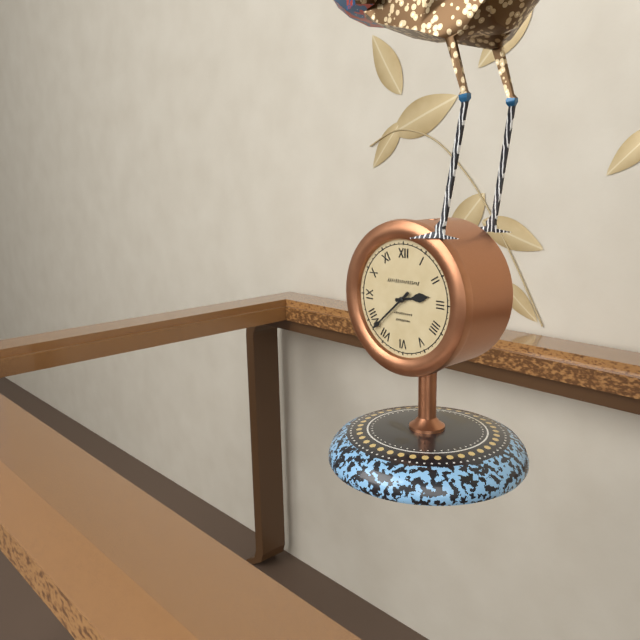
2:38
